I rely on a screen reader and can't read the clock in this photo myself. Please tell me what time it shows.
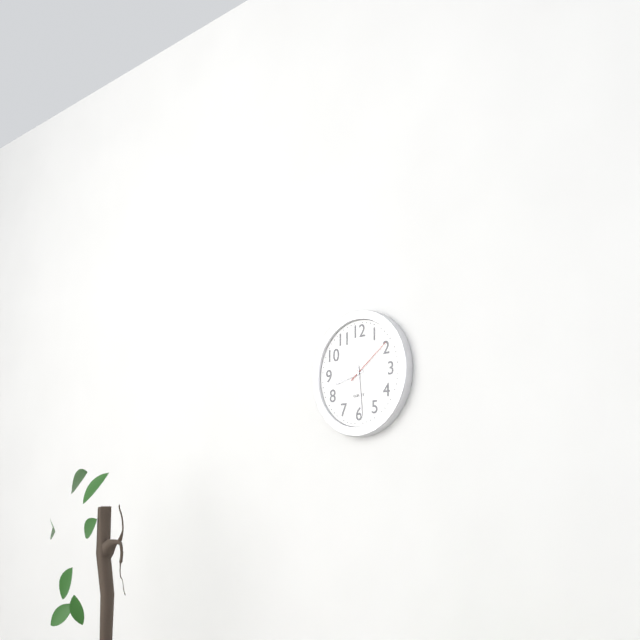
8:29:09
